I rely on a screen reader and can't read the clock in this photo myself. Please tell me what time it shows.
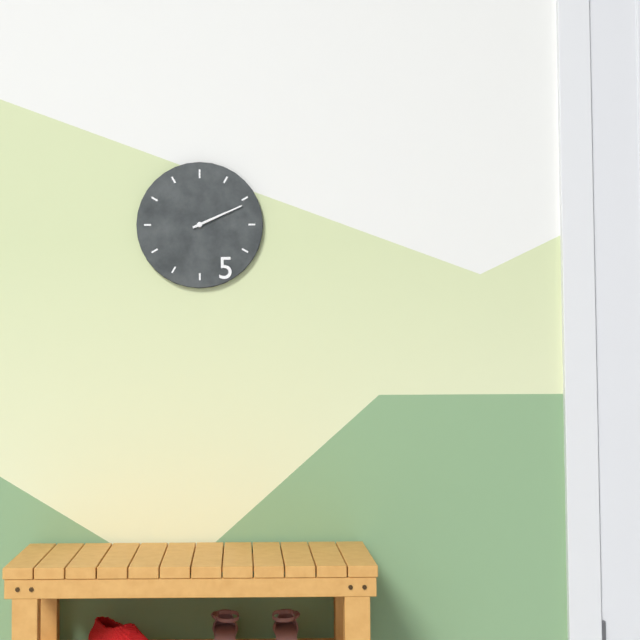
2:11
